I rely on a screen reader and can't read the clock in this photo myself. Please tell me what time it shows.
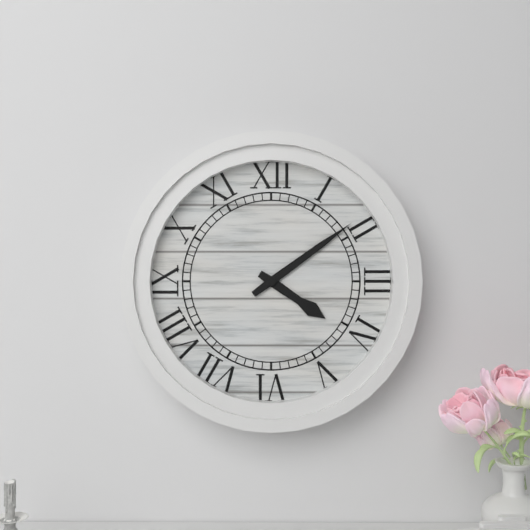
4:09
